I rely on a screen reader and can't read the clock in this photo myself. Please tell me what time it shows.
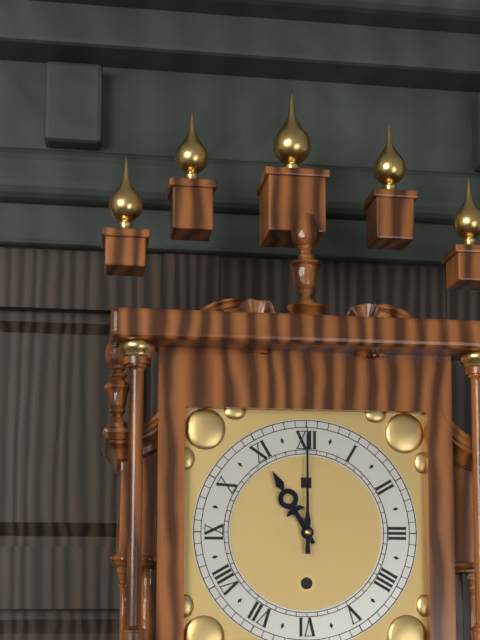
11:00
